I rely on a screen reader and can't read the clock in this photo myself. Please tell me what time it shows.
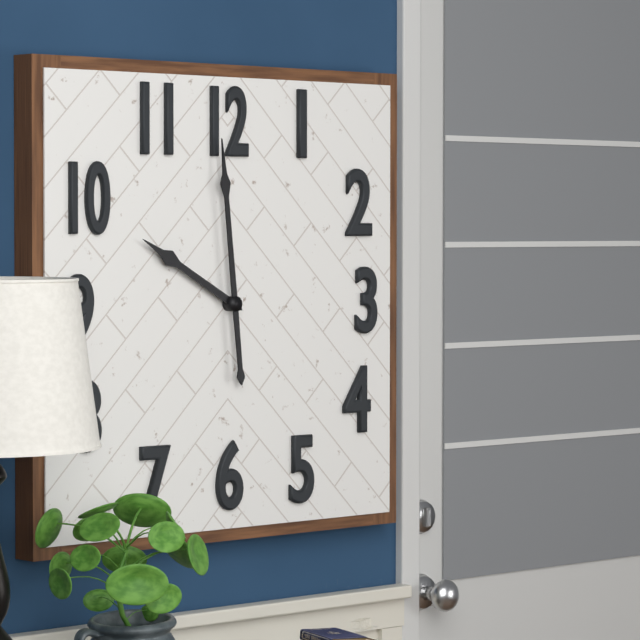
9:59
